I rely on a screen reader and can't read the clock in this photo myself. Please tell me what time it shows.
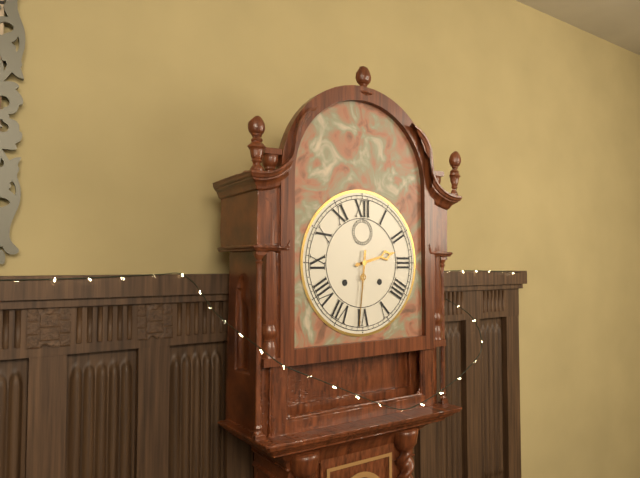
2:31
